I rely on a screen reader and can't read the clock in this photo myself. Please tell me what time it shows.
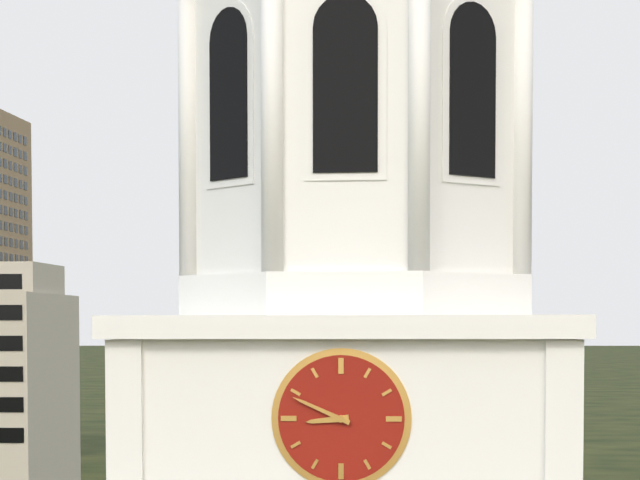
8:49
